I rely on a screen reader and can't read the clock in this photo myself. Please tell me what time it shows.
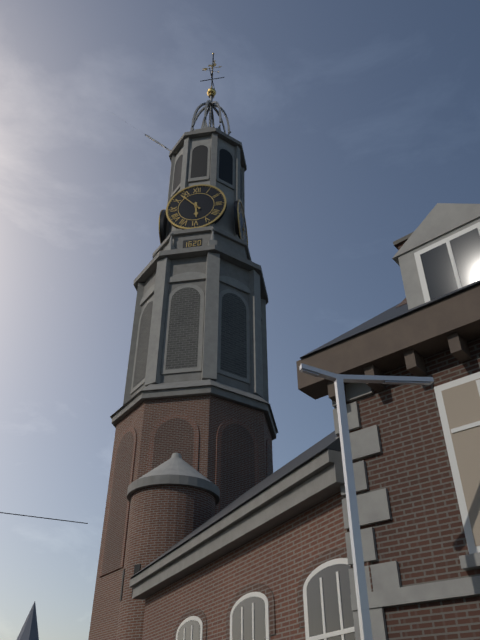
5:53
